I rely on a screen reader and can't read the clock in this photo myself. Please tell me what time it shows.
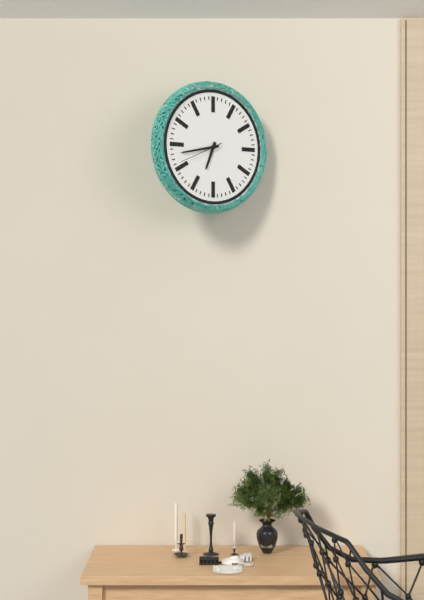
6:43
